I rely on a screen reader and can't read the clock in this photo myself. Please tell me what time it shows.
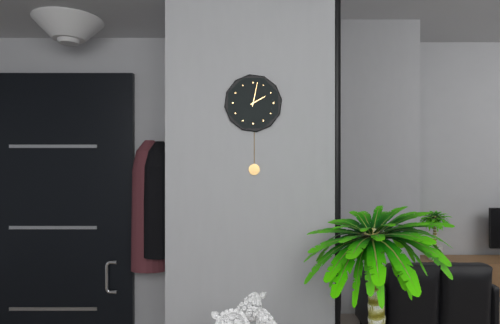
2:02
